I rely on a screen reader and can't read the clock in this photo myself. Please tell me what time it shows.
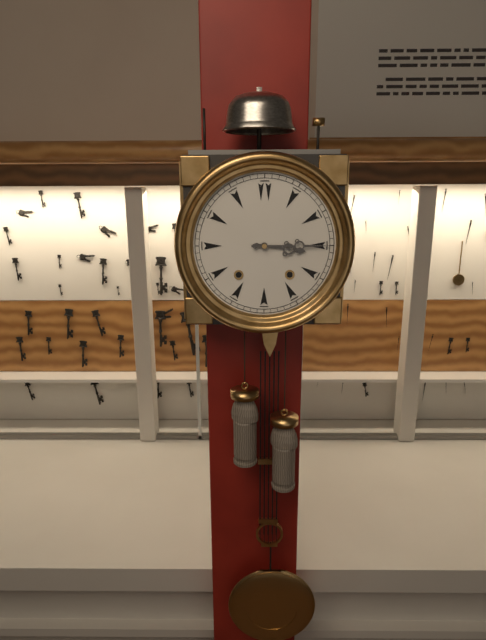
3:15
